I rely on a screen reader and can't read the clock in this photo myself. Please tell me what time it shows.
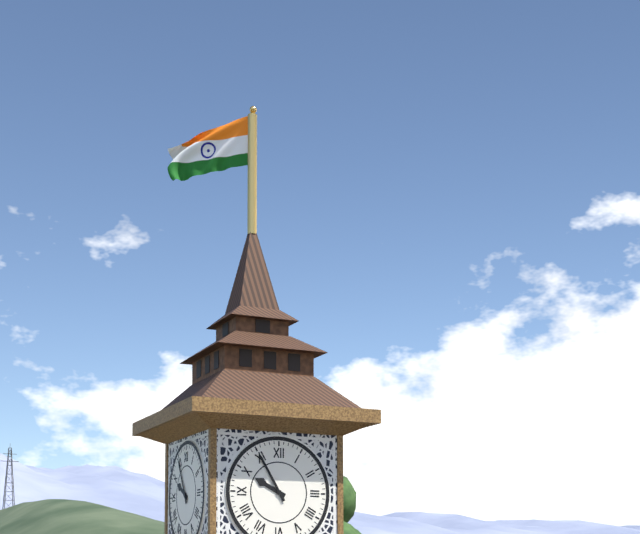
9:55
